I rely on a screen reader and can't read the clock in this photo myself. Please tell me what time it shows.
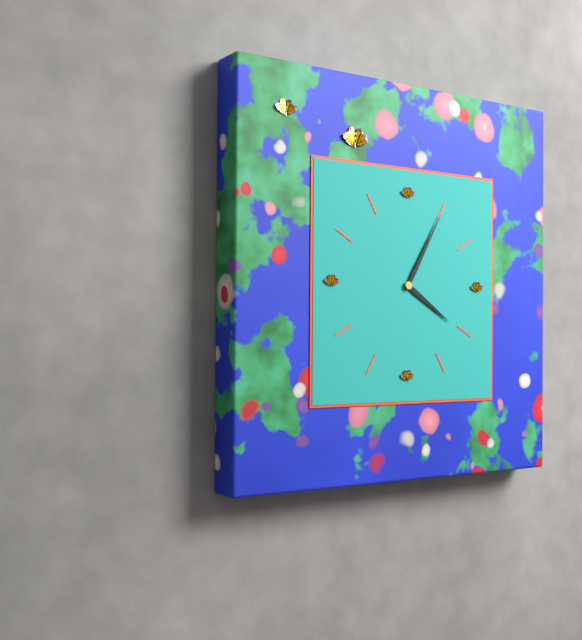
4:05
